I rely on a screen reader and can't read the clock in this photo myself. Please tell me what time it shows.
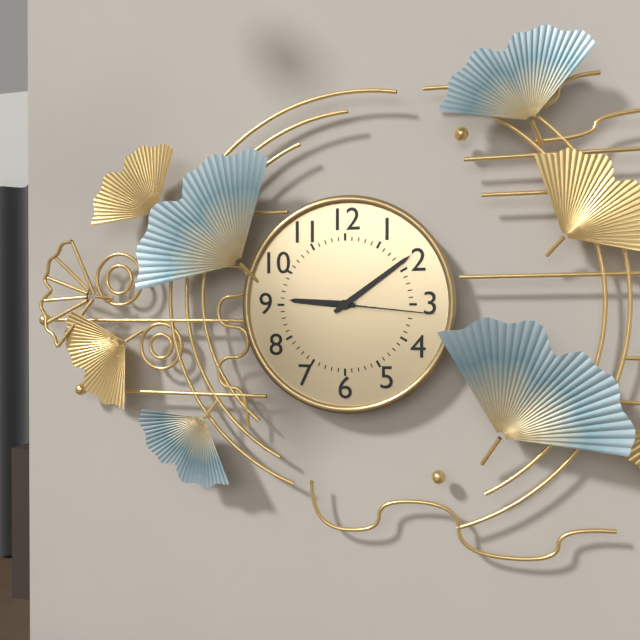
9:09:16
